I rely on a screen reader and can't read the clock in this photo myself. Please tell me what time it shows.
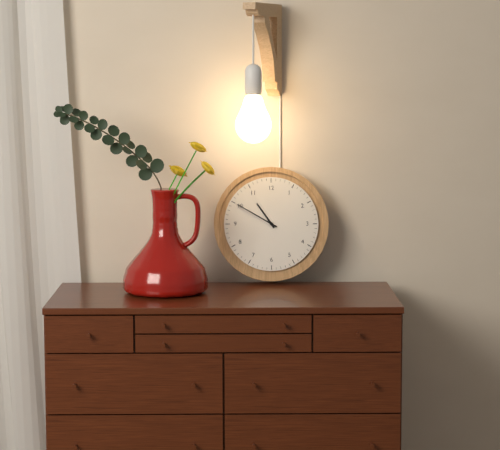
10:50
